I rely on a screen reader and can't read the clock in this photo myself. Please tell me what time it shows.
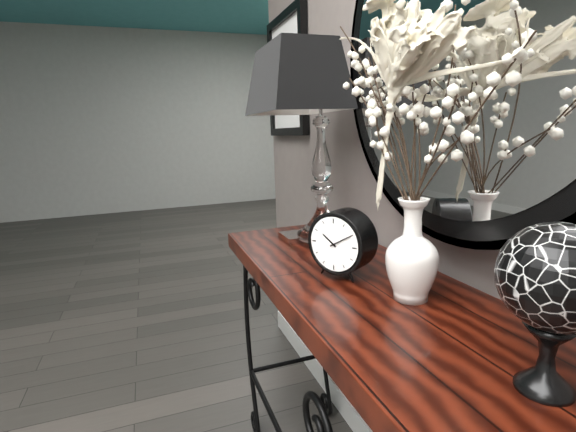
10:10
